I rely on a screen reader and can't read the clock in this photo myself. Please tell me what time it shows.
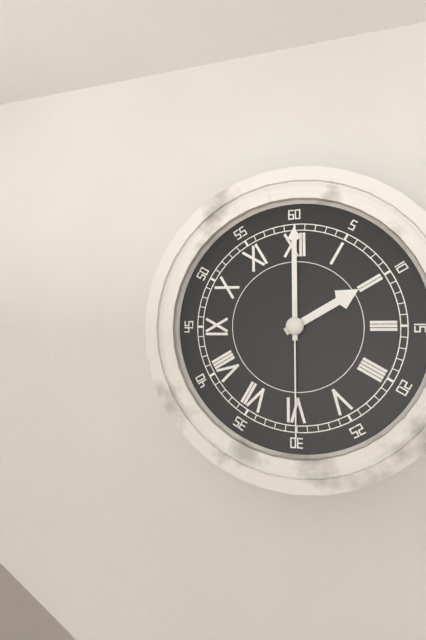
2:00:30
